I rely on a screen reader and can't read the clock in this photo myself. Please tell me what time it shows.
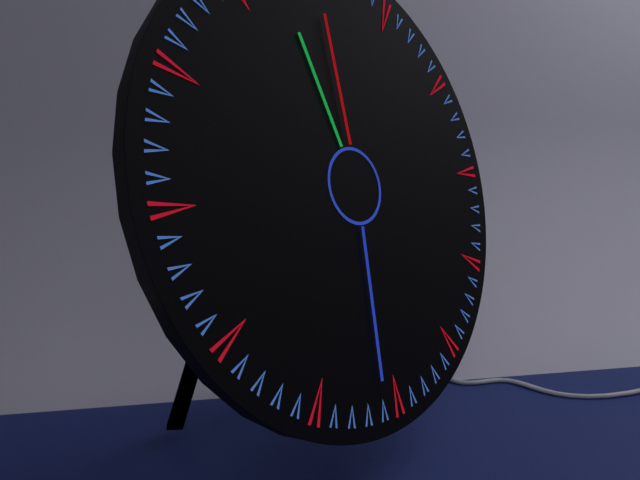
11:31:00
